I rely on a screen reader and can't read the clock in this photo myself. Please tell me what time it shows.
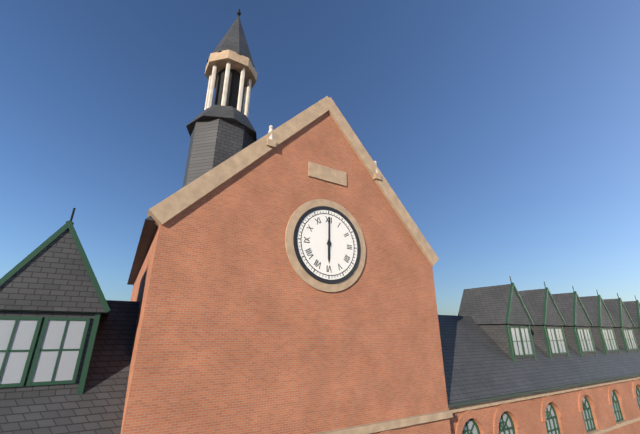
6:00
